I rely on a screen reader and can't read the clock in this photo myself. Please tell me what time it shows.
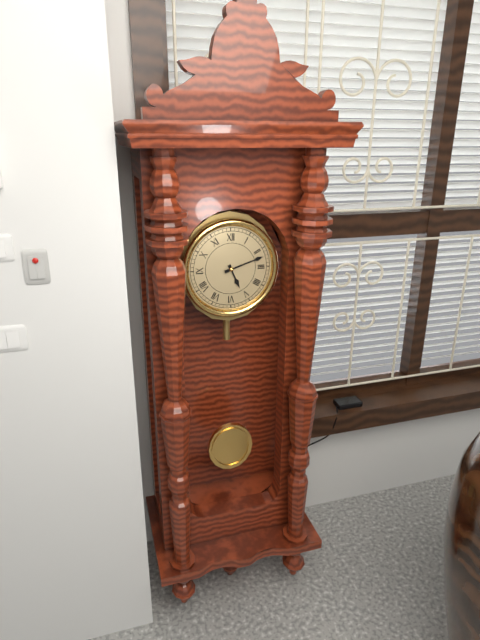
5:12
